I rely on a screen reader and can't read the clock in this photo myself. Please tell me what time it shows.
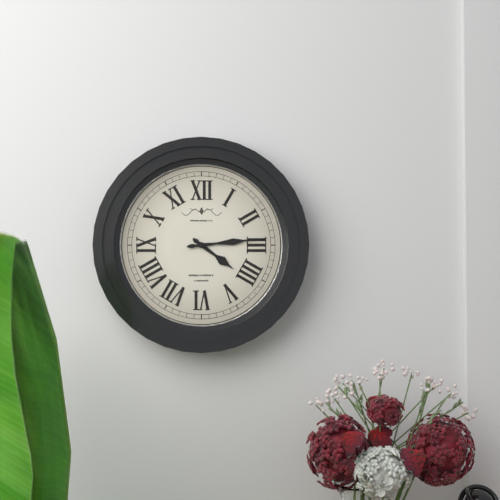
4:14
